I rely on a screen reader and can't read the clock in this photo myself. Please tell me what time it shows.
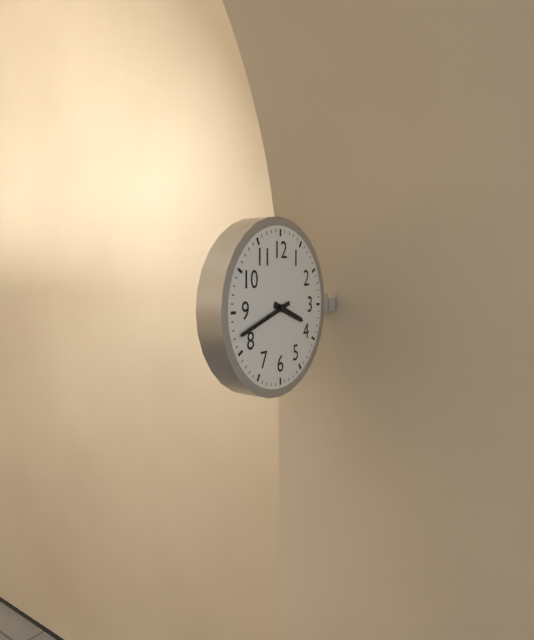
3:42
